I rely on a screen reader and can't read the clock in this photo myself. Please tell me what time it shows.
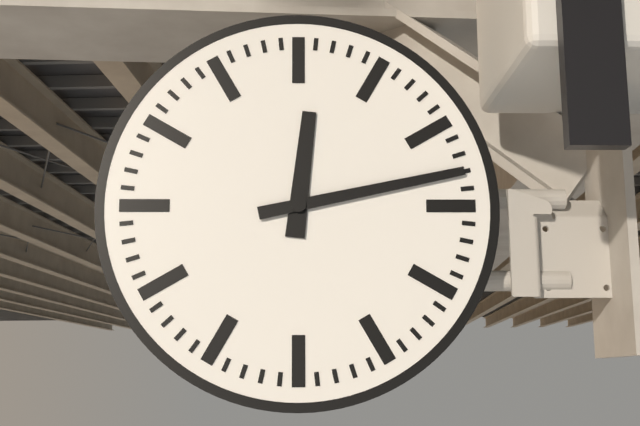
12:13
